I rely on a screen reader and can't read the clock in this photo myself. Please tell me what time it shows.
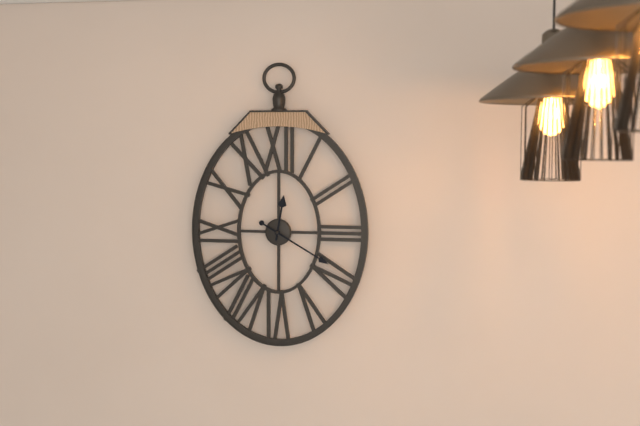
12:20
